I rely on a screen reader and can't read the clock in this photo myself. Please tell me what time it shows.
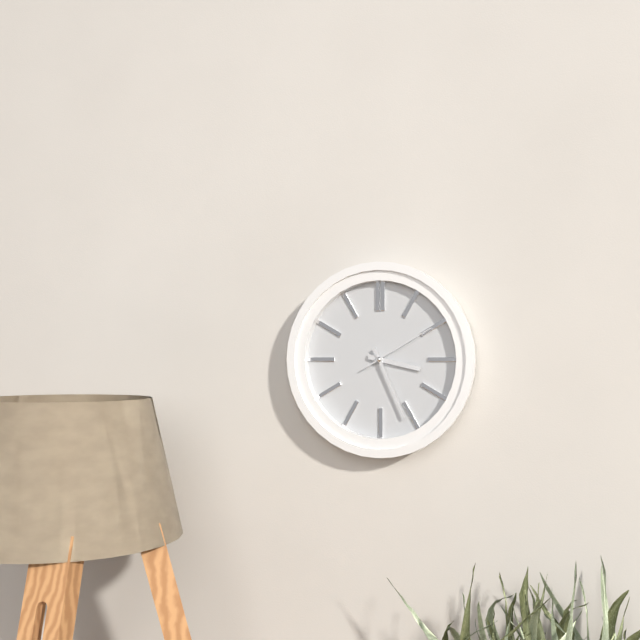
3:26:10
